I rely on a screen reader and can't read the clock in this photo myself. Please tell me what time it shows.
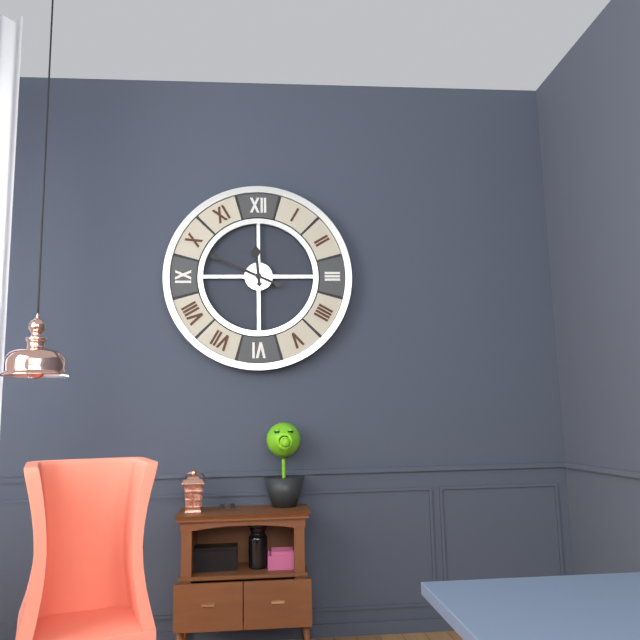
11:49
